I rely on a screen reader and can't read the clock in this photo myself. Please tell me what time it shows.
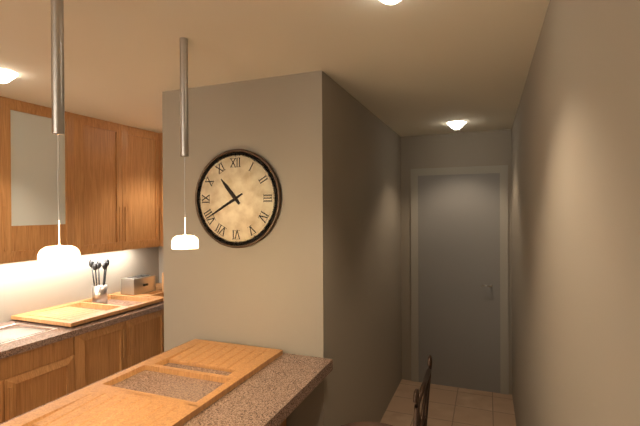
10:40
